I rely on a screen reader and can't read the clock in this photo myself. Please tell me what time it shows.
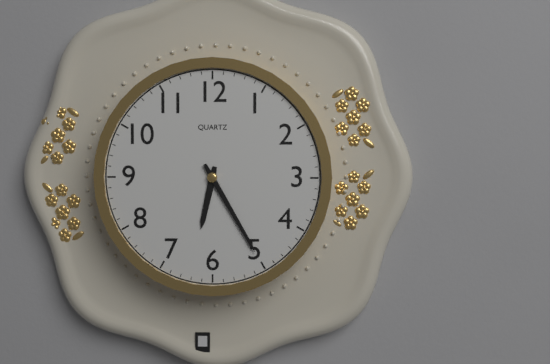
6:25
